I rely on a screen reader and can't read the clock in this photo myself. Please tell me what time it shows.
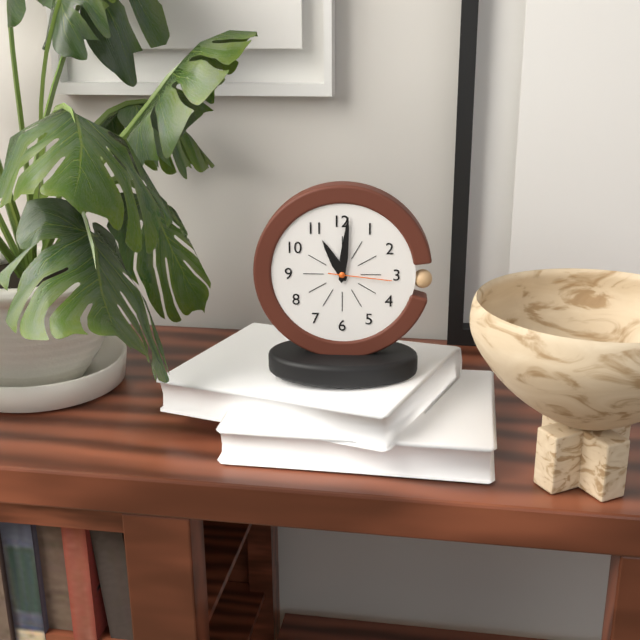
11:01:16
